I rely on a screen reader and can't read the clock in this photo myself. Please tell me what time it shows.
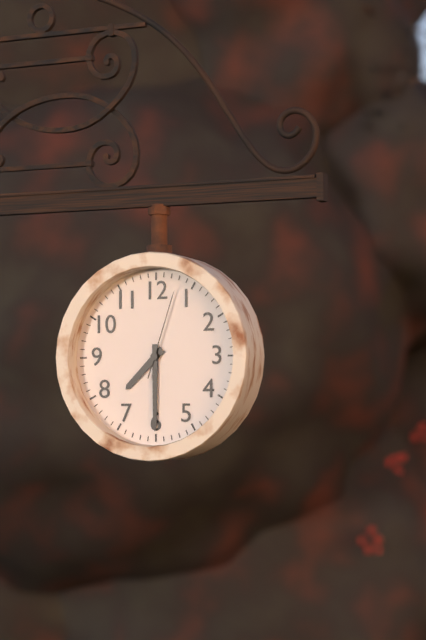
7:30:03
